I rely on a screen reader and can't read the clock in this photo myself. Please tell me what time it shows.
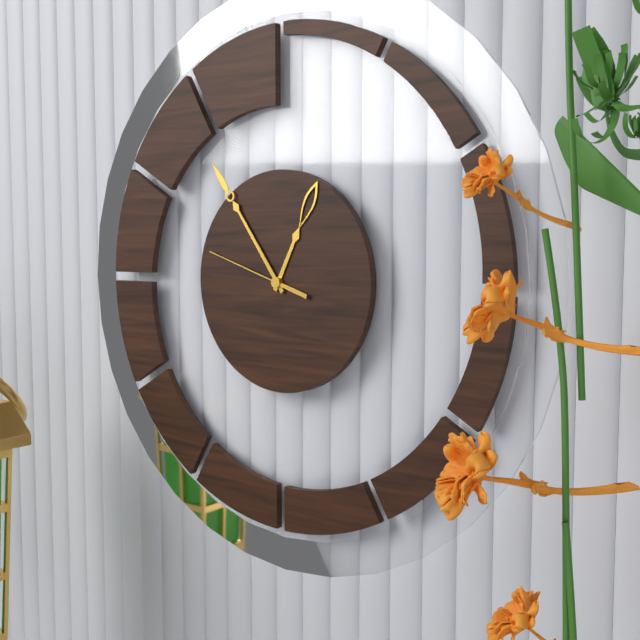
12:54:48
